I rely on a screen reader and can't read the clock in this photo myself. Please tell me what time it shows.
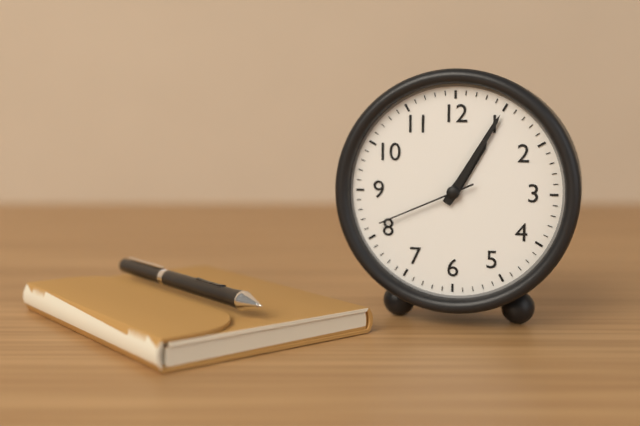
1:05:41
